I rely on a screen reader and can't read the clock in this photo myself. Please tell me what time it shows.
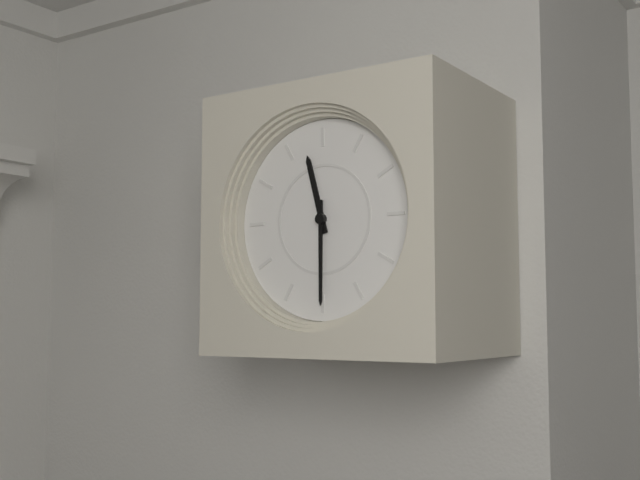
11:30
